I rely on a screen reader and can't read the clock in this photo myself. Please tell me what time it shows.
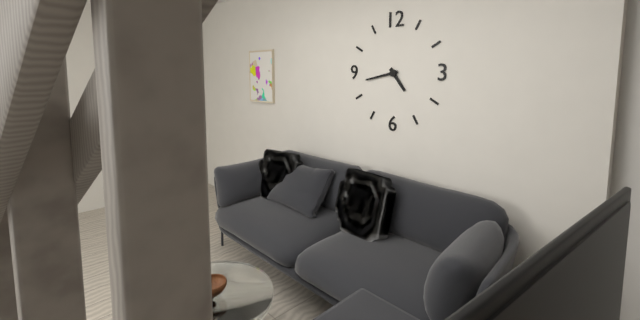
4:43
